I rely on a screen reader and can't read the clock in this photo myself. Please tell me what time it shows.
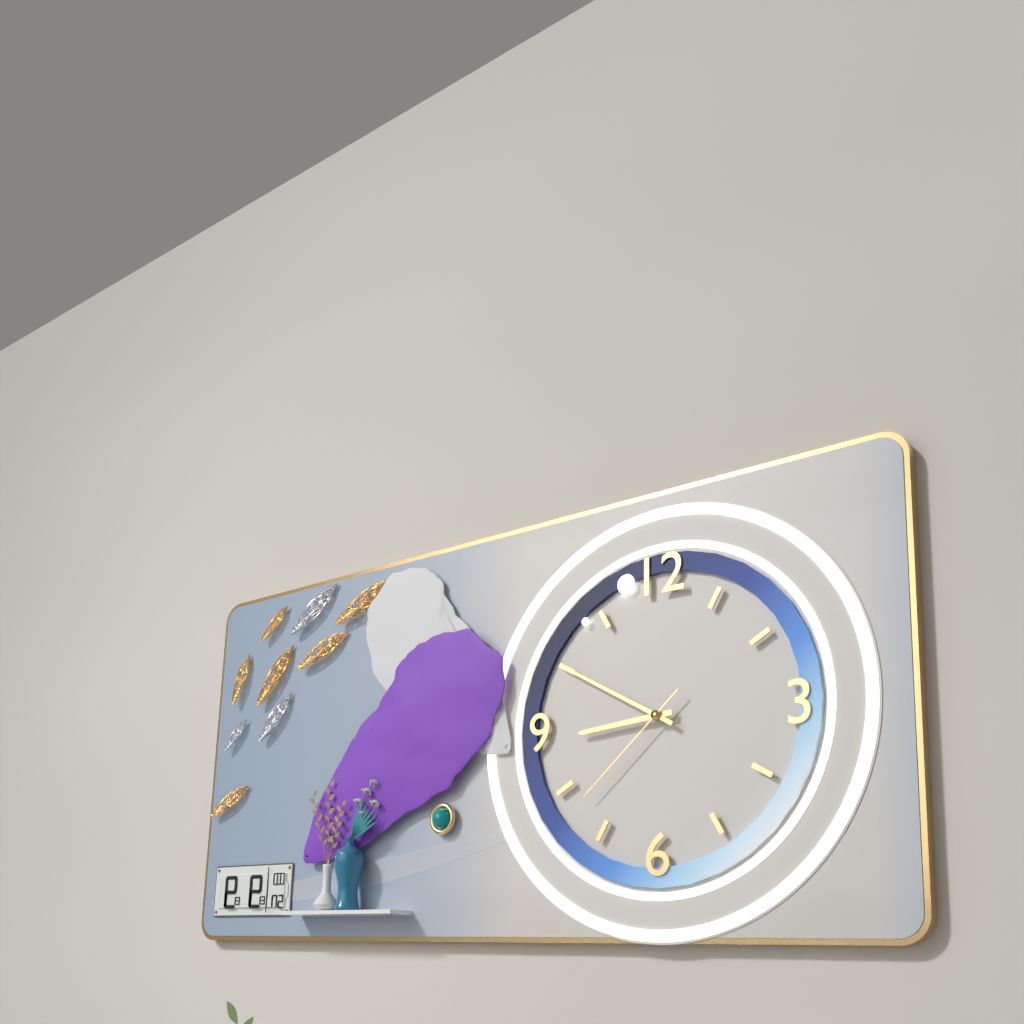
8:50:38
